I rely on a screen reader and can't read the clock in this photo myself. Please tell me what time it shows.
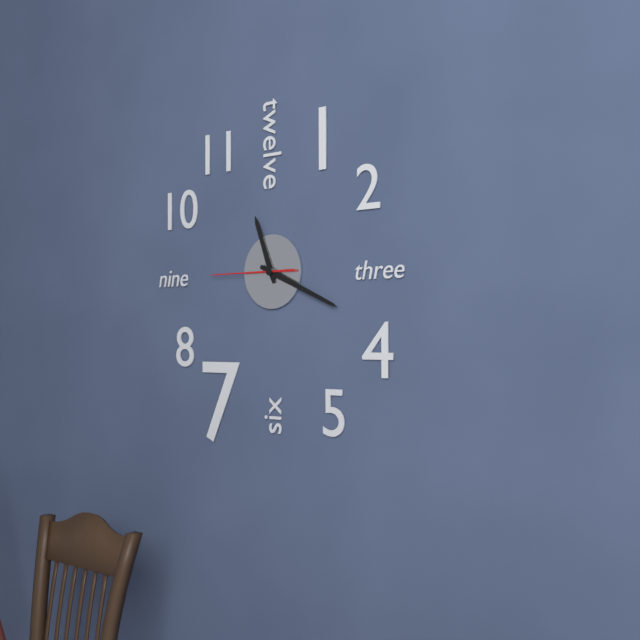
11:19:45
